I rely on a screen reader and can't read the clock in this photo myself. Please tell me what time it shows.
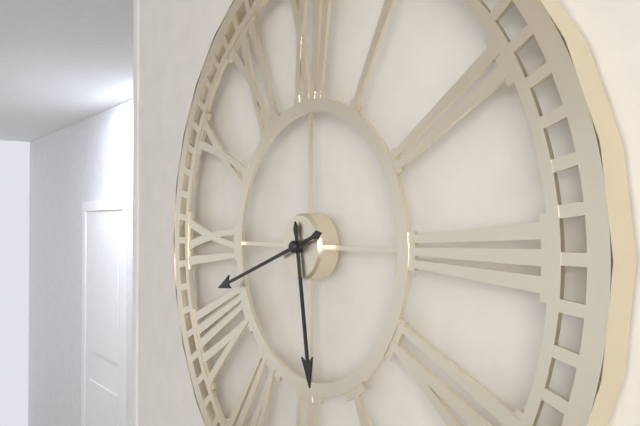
5:42
